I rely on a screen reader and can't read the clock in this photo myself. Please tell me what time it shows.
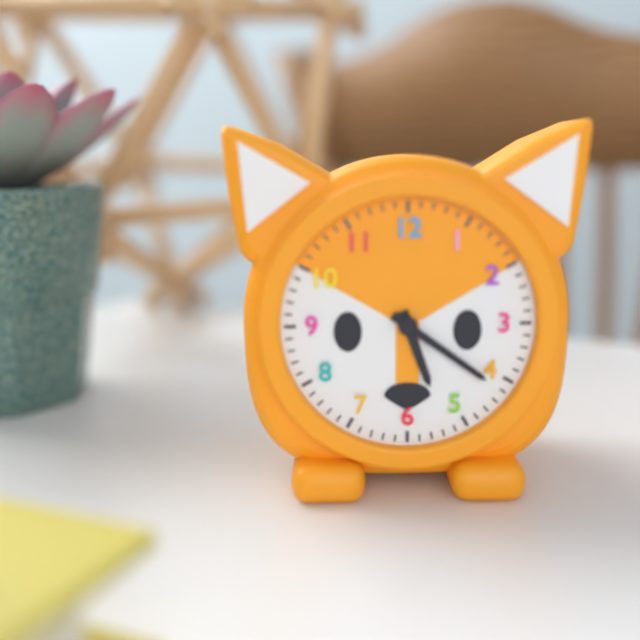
5:21
